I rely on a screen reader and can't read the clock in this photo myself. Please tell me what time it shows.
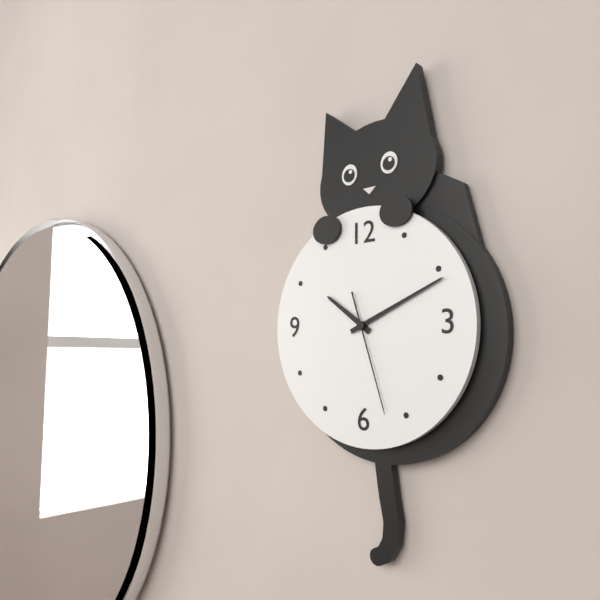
10:11:27
